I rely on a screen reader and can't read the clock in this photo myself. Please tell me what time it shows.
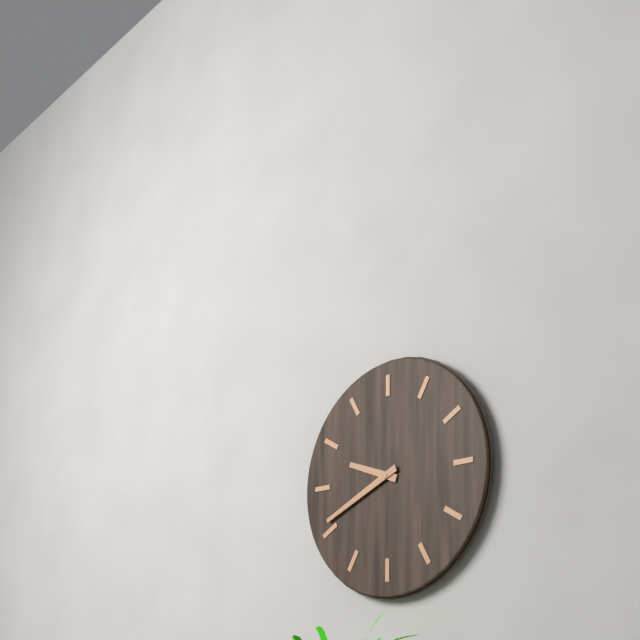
9:41
